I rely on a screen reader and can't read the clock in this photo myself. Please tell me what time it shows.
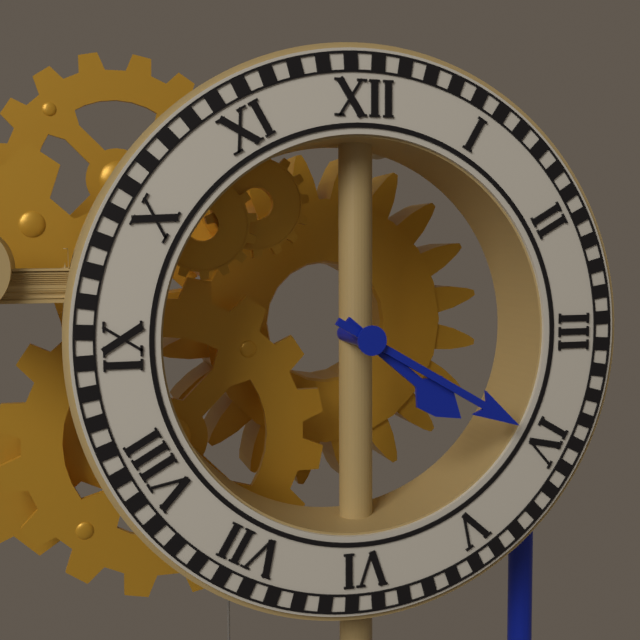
4:20
